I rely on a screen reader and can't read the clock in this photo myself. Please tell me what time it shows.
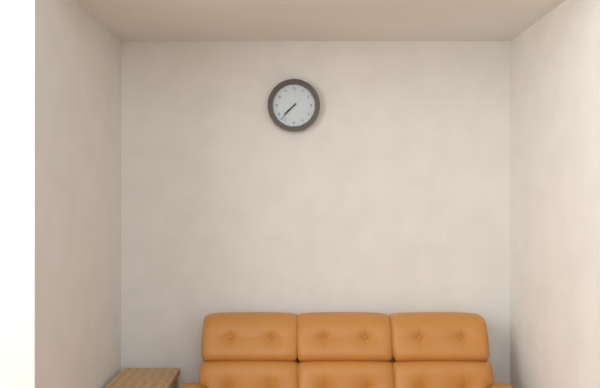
7:37
